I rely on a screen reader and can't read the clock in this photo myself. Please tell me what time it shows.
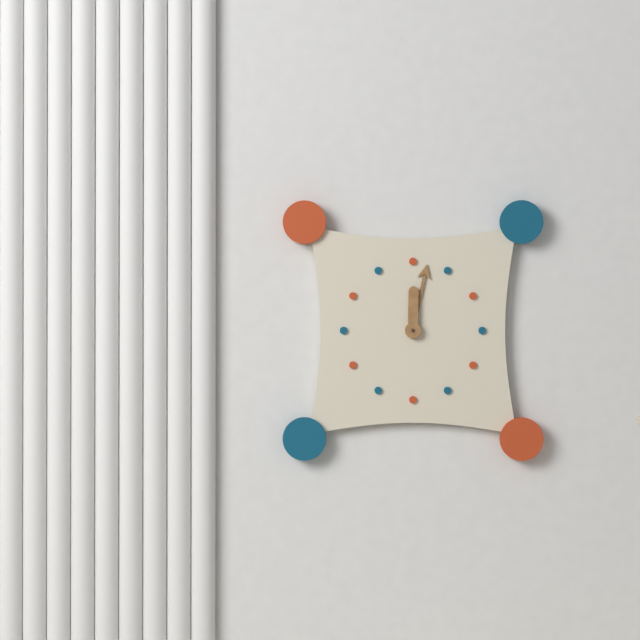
12:02
